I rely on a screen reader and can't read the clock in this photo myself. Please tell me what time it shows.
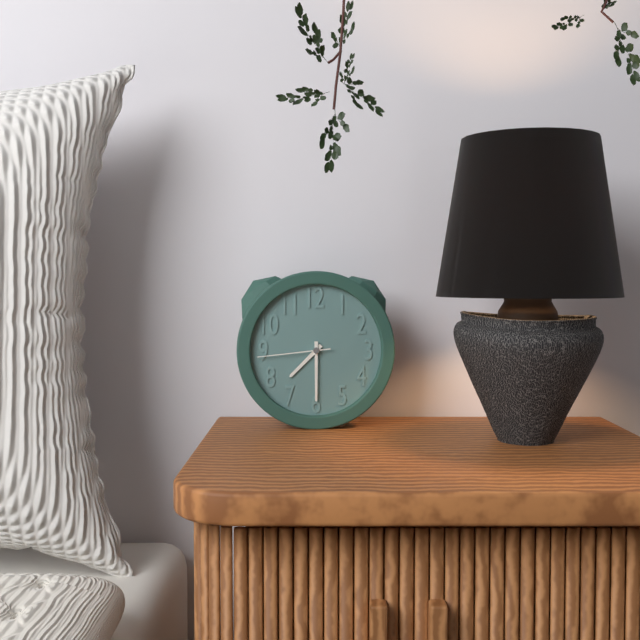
7:30:44
